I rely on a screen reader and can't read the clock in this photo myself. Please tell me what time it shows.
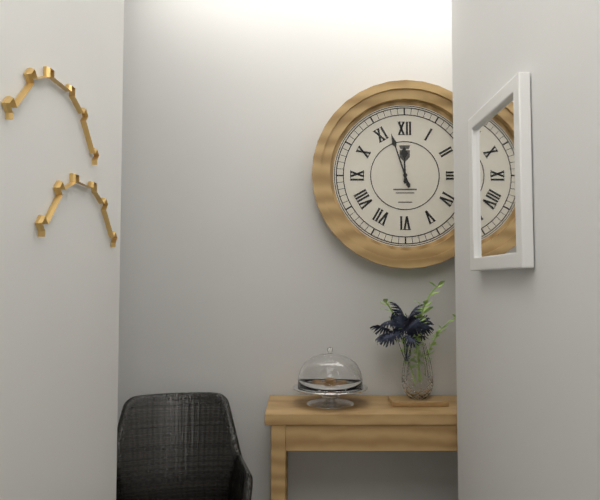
11:57
